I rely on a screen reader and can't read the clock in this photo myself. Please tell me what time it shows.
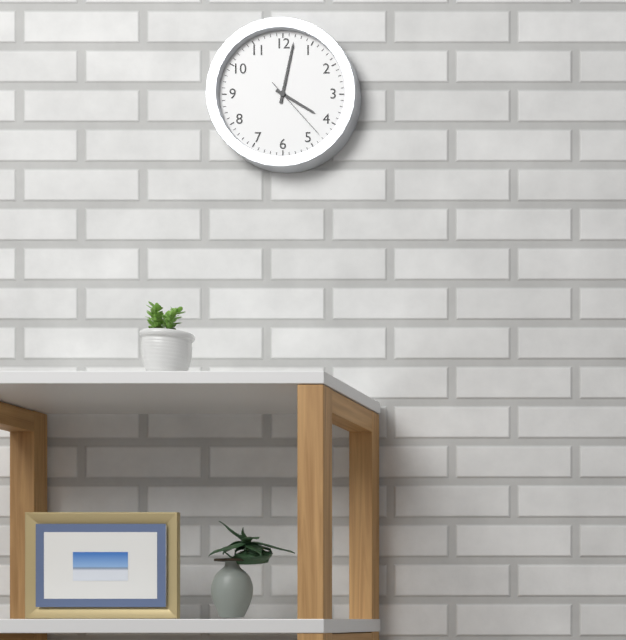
4:02:23
